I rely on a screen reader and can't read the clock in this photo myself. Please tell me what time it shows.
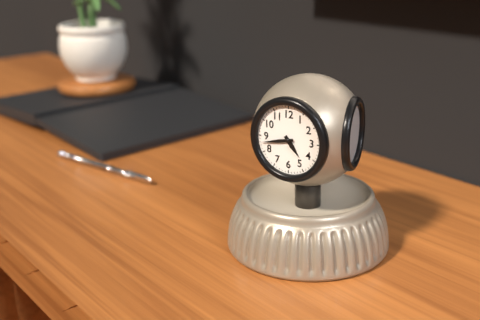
4:43
